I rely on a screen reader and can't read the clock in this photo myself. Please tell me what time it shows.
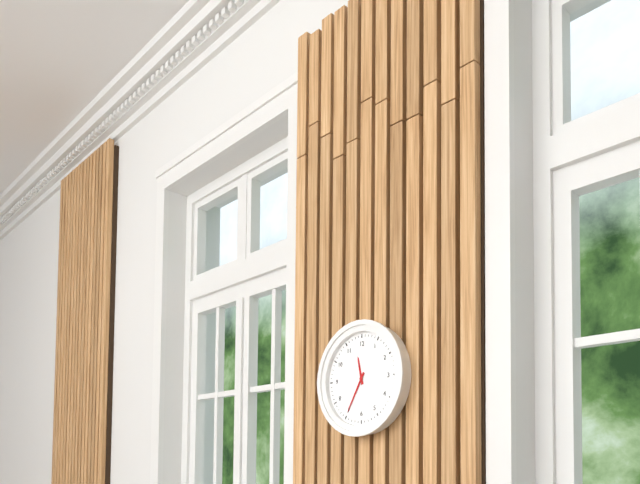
11:35
